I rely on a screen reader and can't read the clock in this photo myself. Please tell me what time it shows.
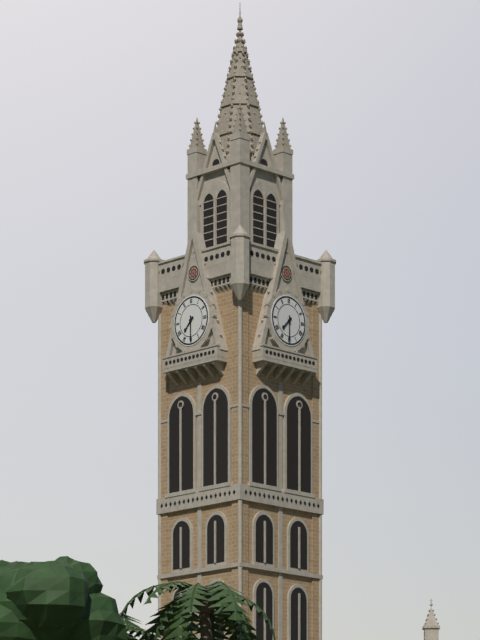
7:30
